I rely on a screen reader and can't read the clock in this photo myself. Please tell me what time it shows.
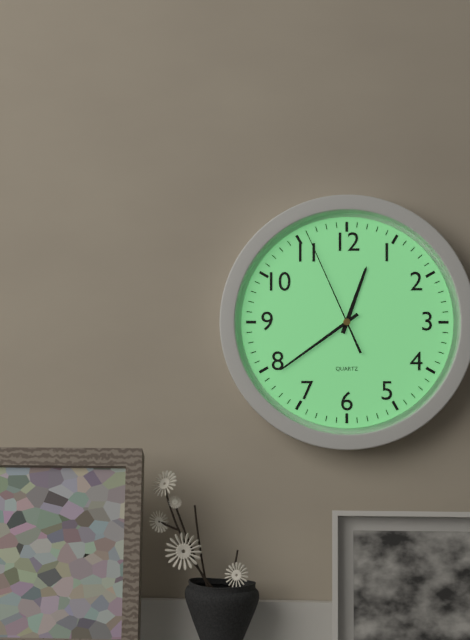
12:39:56
